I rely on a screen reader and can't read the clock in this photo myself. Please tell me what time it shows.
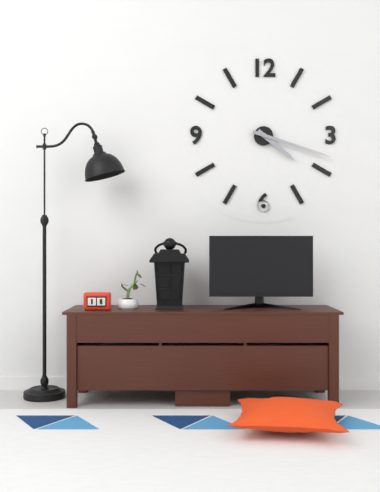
4:18
